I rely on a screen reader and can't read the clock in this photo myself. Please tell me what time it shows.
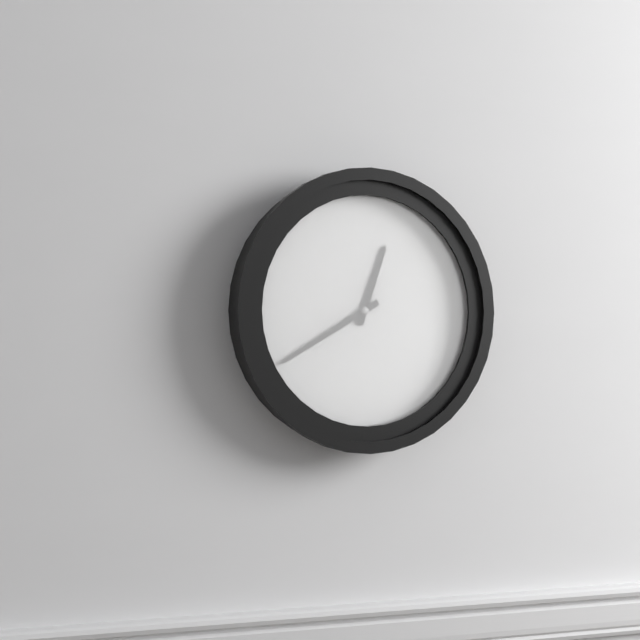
12:40
